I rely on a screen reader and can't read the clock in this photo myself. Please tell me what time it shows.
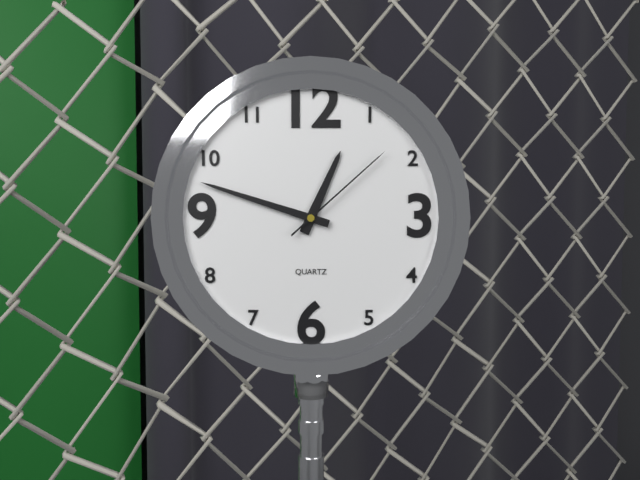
12:48:08
